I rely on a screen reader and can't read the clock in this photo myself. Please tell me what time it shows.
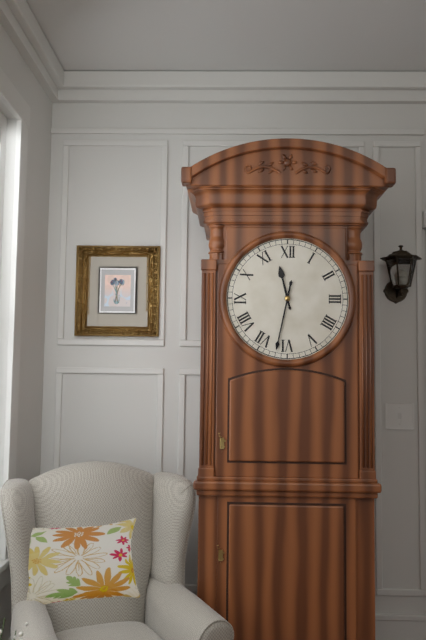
11:32
